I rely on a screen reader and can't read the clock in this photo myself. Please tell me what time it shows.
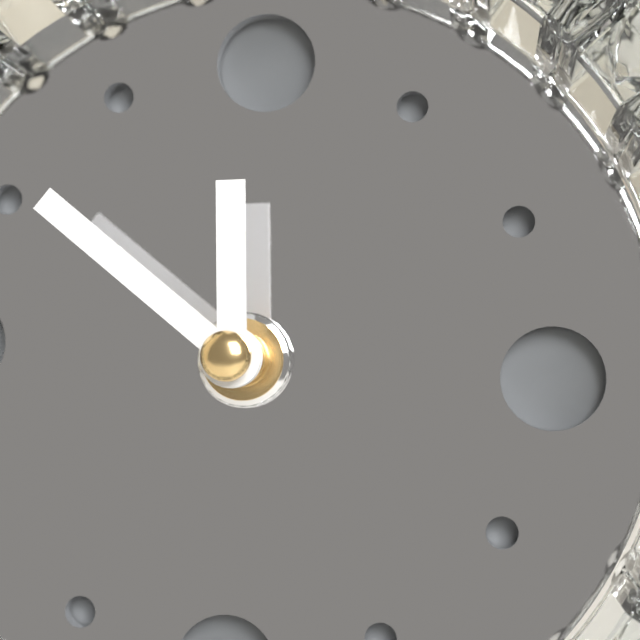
11:51
